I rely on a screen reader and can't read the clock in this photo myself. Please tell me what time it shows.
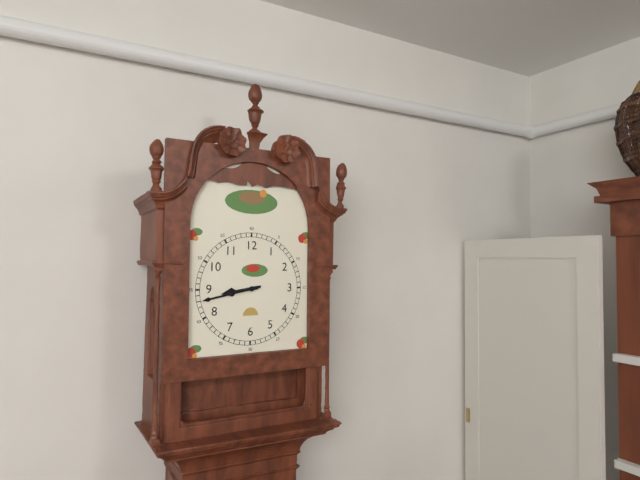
8:43
